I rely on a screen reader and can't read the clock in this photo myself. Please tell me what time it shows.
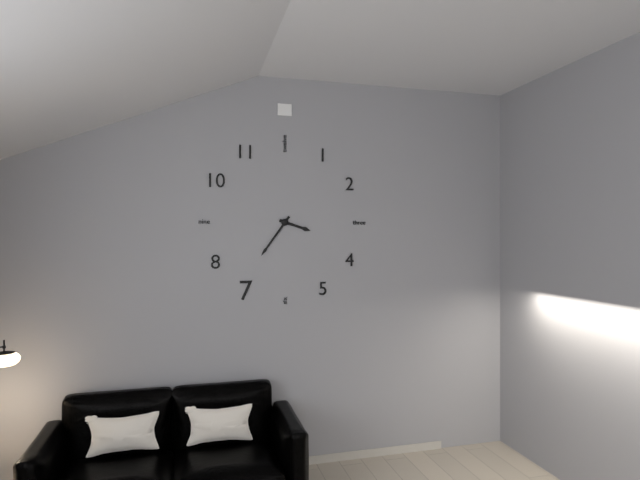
3:36
